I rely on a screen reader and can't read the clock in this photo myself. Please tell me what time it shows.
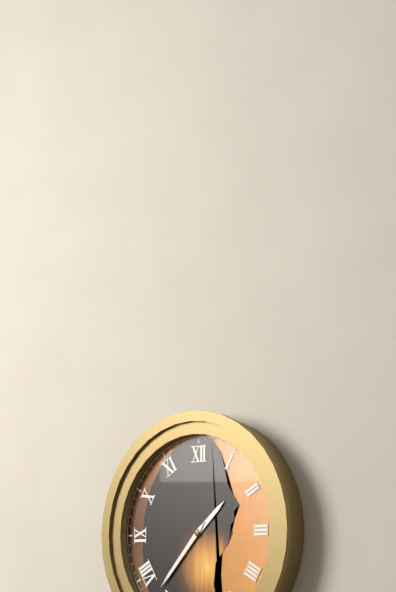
1:37
